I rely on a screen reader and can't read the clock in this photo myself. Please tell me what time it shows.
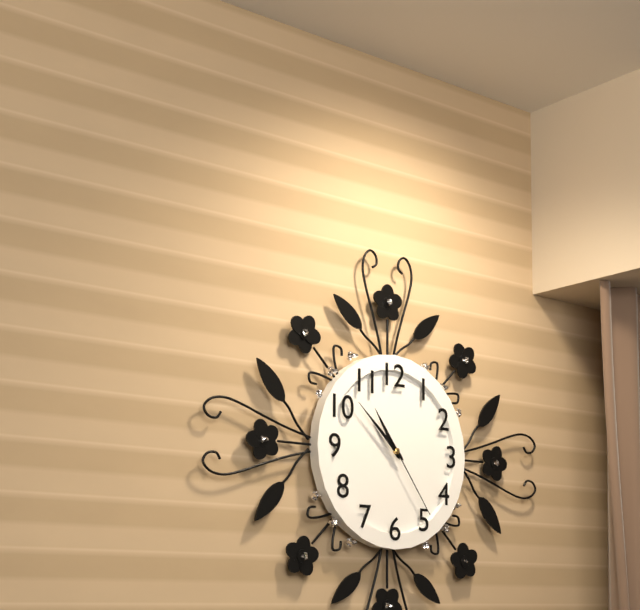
10:52:24
